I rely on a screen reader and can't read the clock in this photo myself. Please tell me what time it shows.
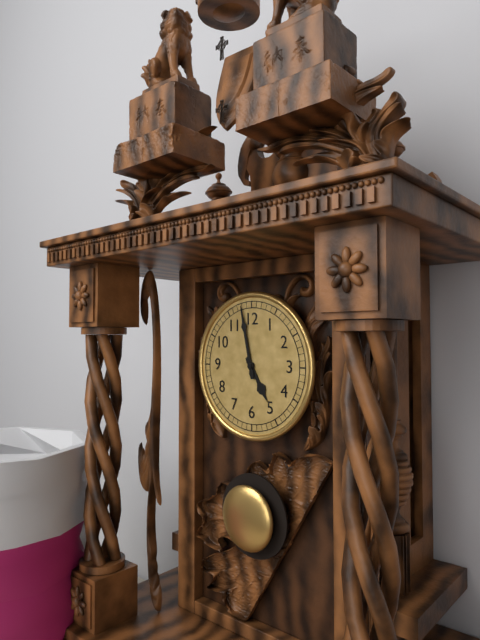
4:58
